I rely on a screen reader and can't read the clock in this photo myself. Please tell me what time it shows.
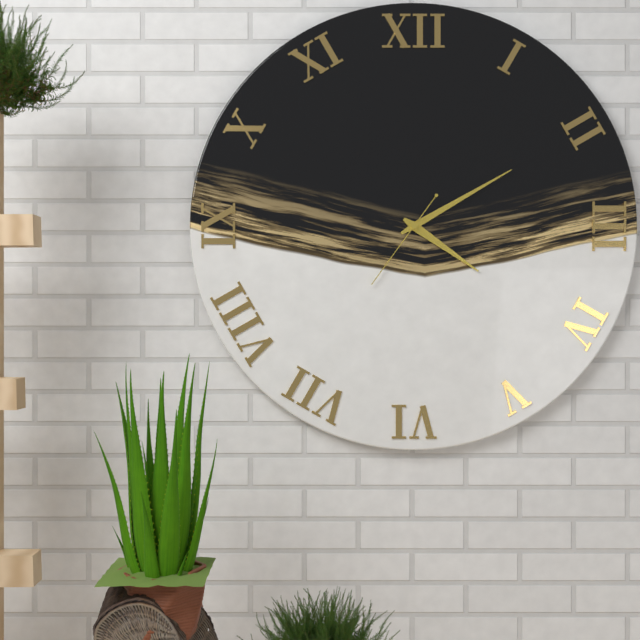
4:10:36
